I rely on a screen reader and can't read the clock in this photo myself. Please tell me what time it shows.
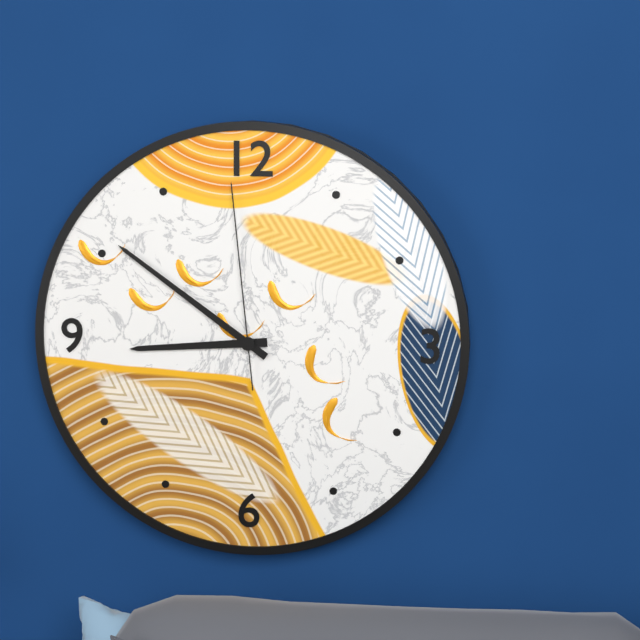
8:51:59
